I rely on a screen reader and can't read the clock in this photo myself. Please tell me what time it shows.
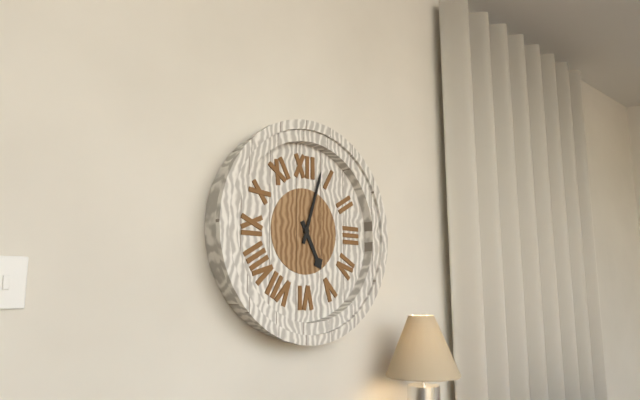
5:03
